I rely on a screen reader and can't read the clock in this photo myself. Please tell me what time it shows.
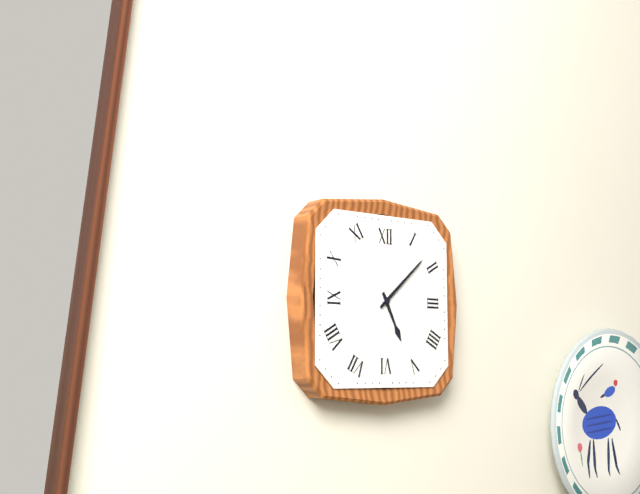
5:08
